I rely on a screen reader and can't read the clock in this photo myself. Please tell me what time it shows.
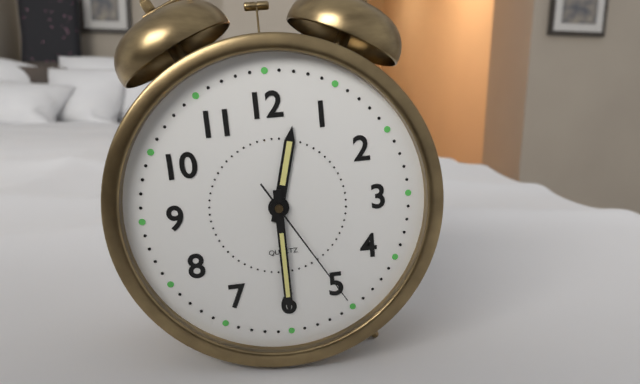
12:30:25
